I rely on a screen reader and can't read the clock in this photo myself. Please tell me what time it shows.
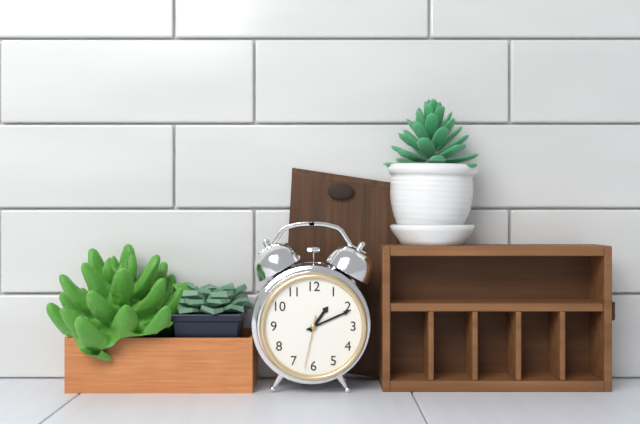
1:11:32
